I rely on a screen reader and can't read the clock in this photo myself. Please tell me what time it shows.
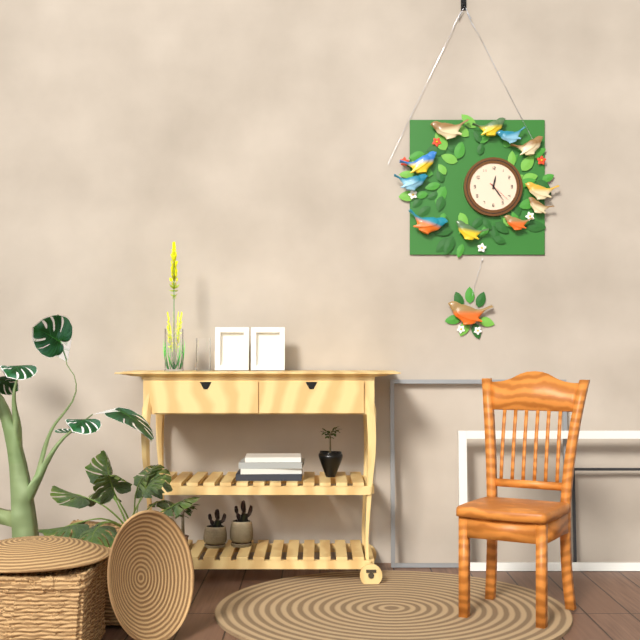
12:24
